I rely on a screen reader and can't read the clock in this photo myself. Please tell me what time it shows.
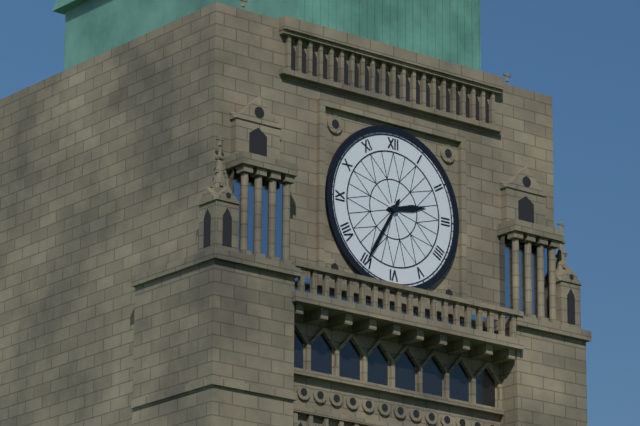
2:35
